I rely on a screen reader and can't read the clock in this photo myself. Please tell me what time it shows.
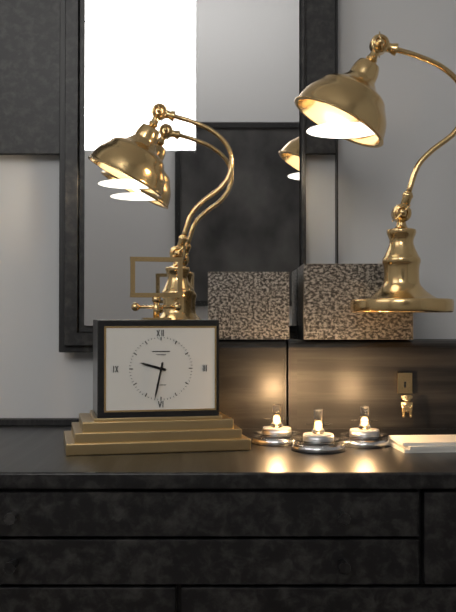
9:32
